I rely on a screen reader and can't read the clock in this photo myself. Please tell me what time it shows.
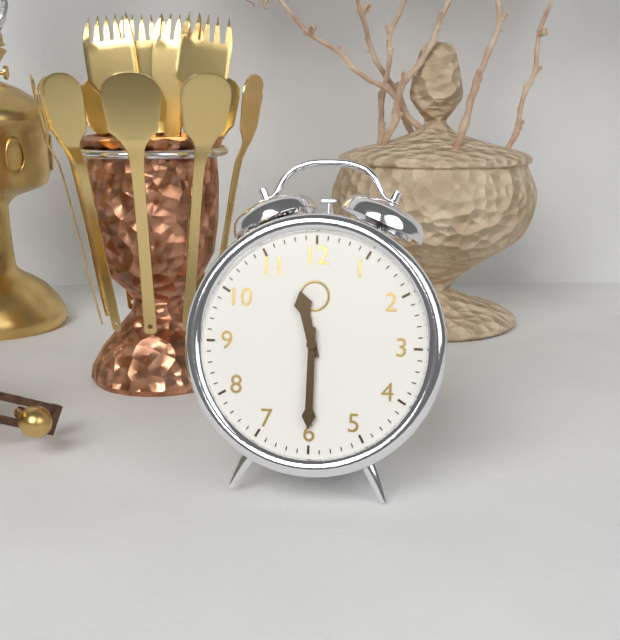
11:30
